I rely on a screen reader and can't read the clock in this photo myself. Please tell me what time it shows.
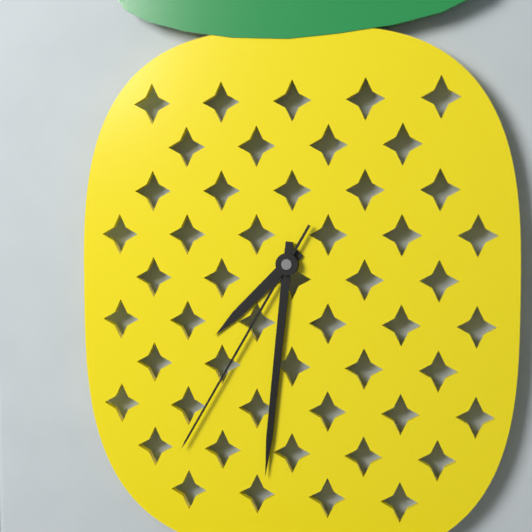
7:31:35
